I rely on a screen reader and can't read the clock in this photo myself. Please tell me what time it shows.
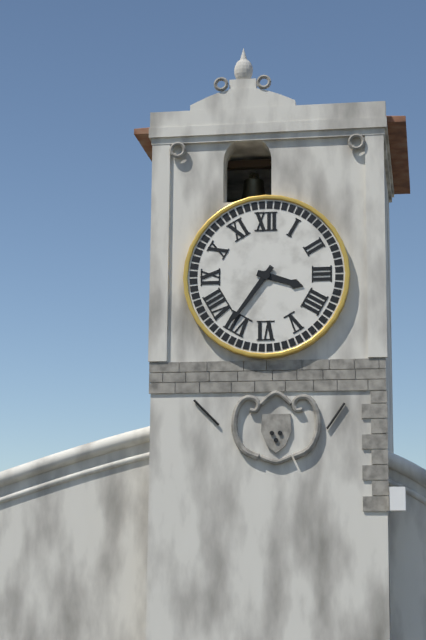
3:36
